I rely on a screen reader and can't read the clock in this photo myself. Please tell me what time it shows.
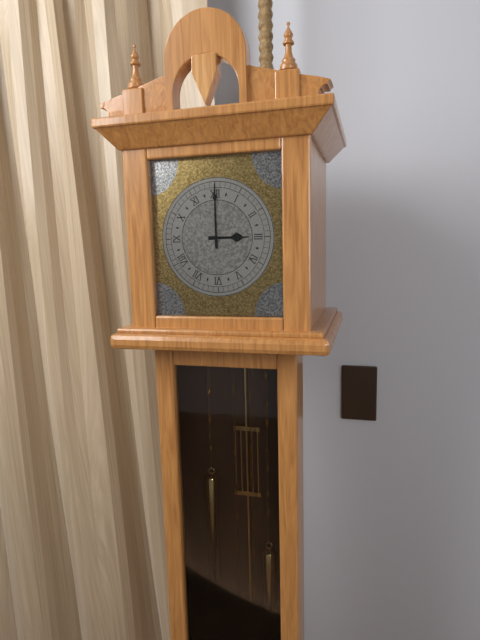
3:00
